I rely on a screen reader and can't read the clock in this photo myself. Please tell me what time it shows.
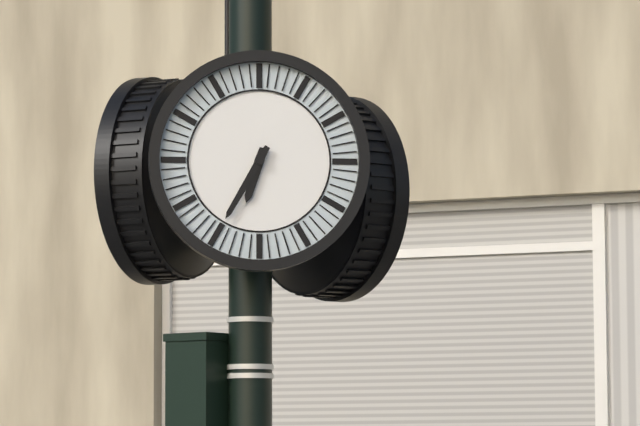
6:35
